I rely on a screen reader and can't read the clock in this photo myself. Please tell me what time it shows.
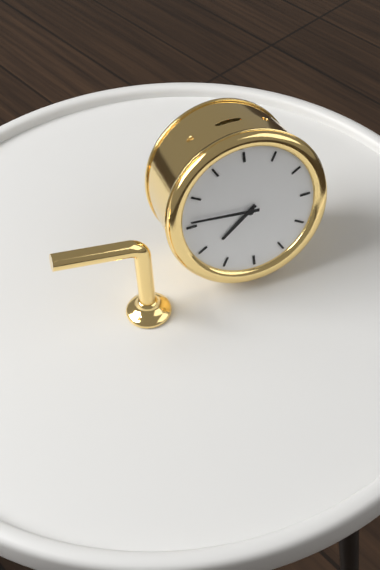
7:46
